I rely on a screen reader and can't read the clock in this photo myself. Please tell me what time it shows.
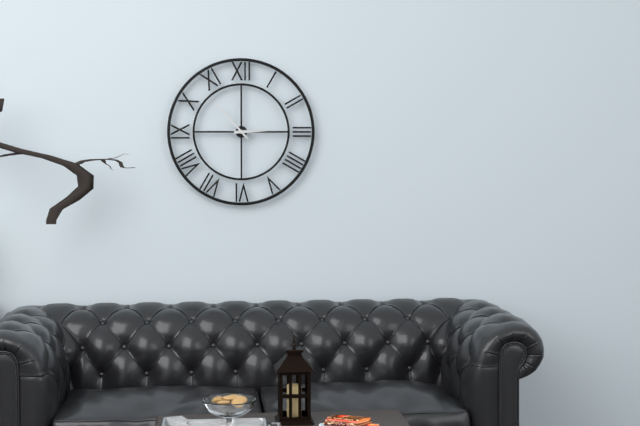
2:53
